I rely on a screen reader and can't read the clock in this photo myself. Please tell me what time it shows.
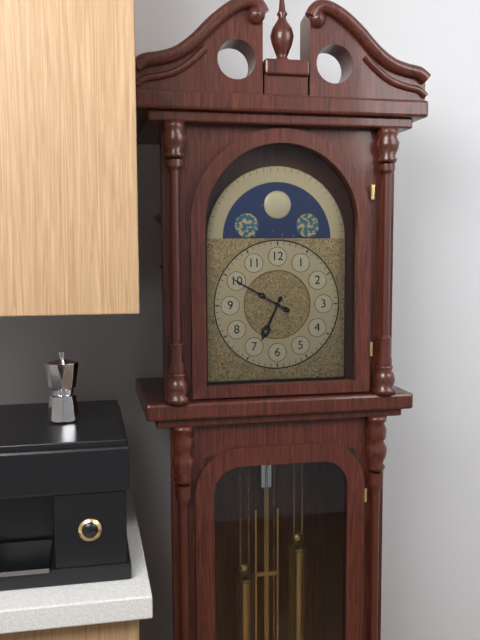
6:50
